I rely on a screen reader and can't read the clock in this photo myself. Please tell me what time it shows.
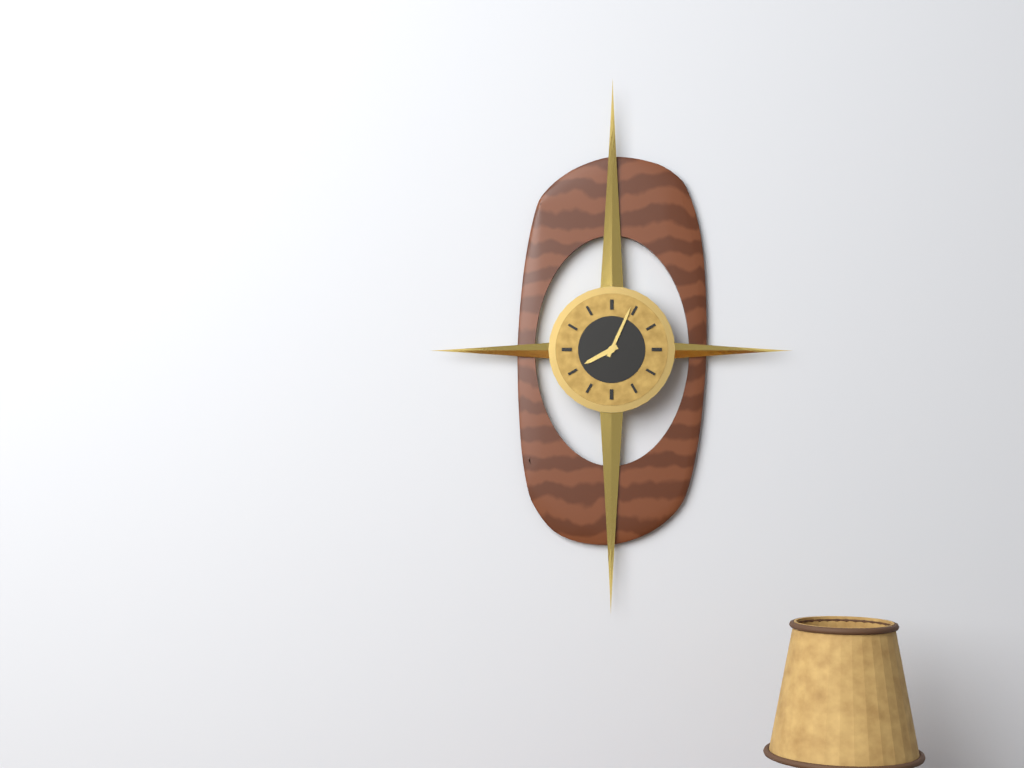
8:04
